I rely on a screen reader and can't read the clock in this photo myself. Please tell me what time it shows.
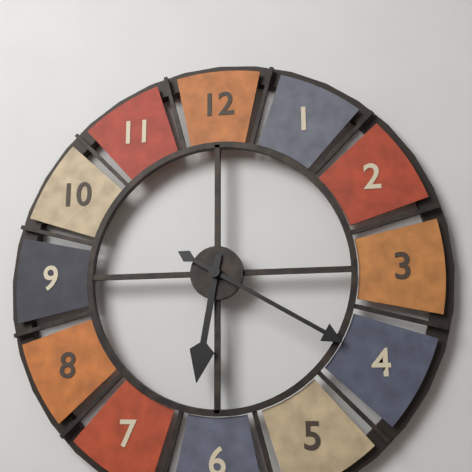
6:20
